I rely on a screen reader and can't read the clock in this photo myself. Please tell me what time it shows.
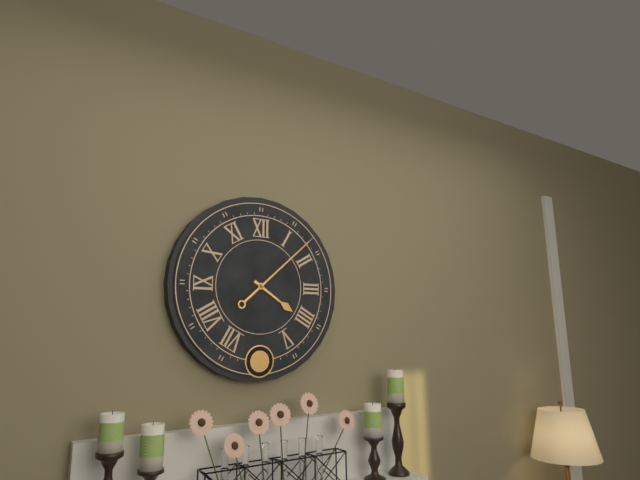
4:08
